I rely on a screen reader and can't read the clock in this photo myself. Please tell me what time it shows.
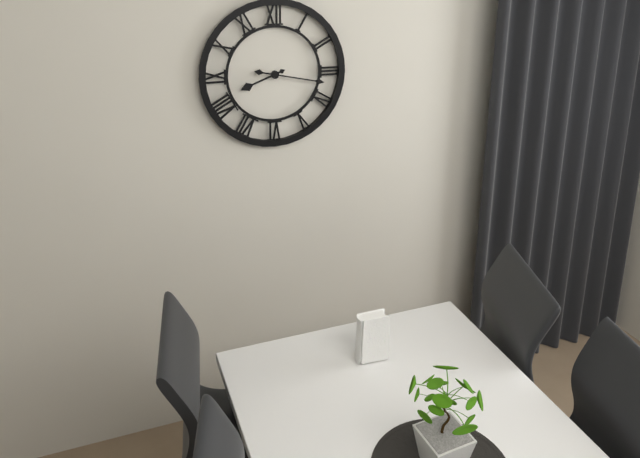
8:17
